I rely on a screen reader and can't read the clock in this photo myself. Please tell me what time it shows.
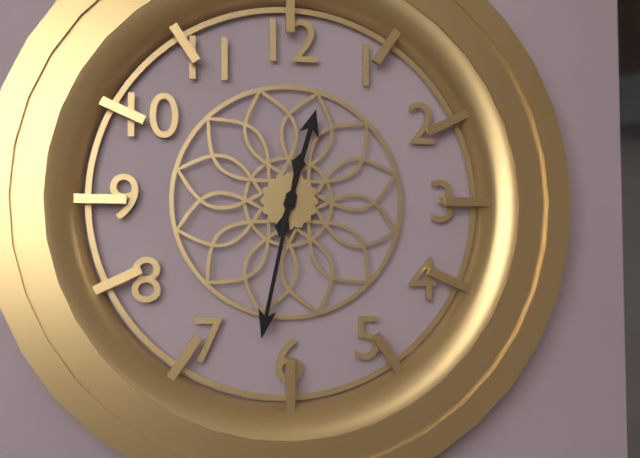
12:32
